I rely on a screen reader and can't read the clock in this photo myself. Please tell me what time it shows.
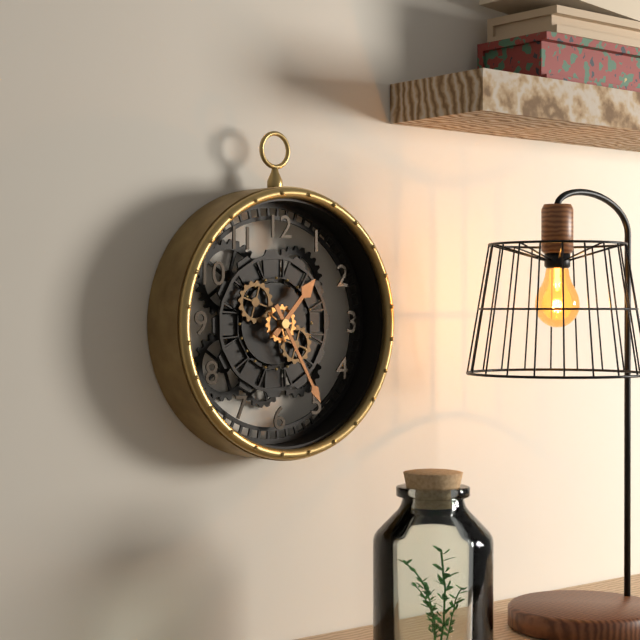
1:25
